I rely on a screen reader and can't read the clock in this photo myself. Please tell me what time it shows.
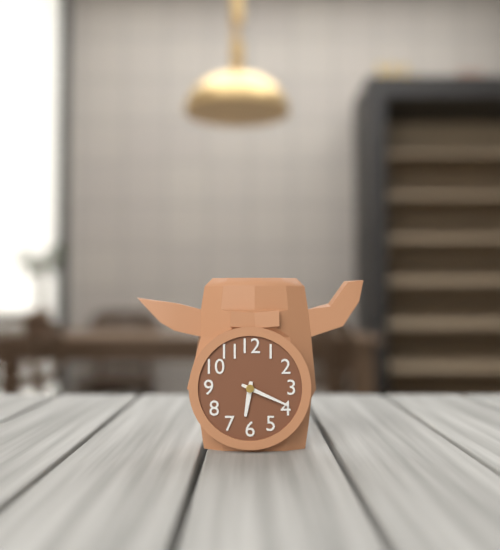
6:19
